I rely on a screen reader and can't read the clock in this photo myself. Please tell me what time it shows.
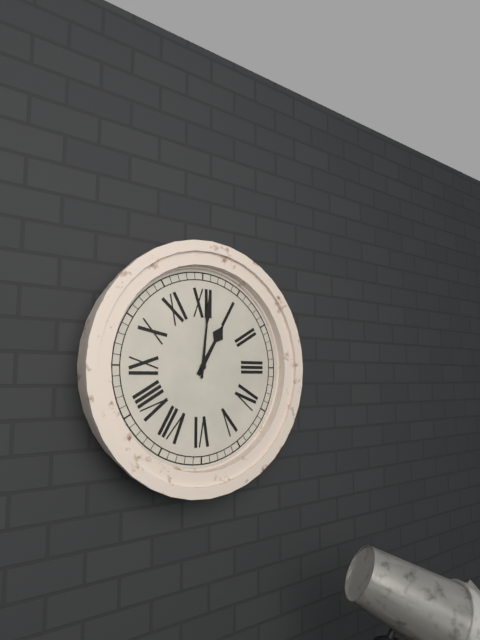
1:01
